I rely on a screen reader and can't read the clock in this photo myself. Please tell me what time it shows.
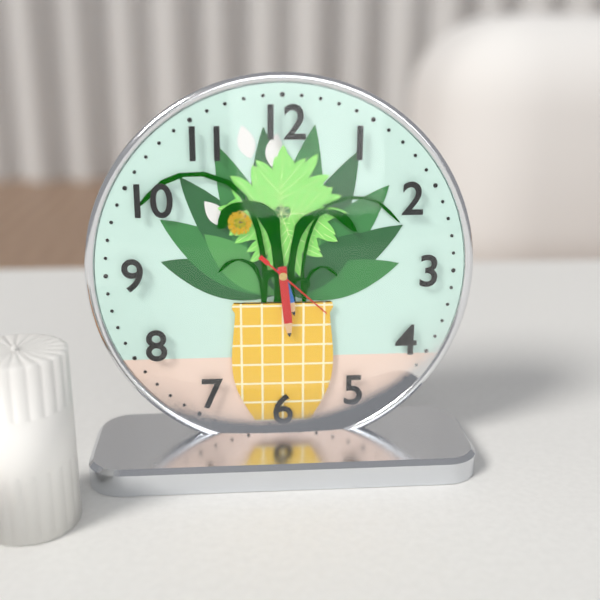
5:29:22
